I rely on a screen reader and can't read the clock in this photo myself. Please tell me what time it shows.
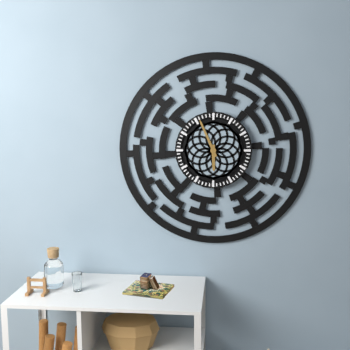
5:56
